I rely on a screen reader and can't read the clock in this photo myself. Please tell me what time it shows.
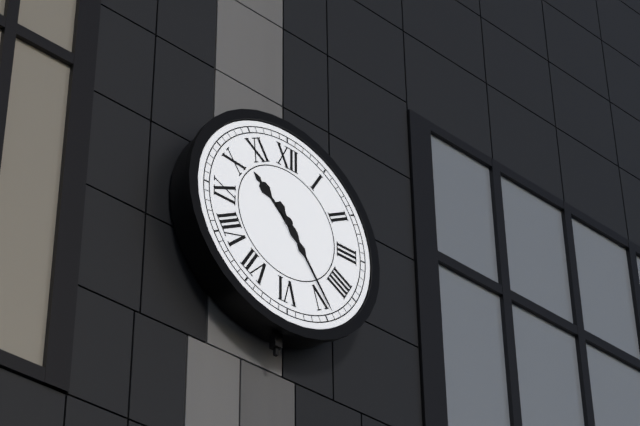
10:24
